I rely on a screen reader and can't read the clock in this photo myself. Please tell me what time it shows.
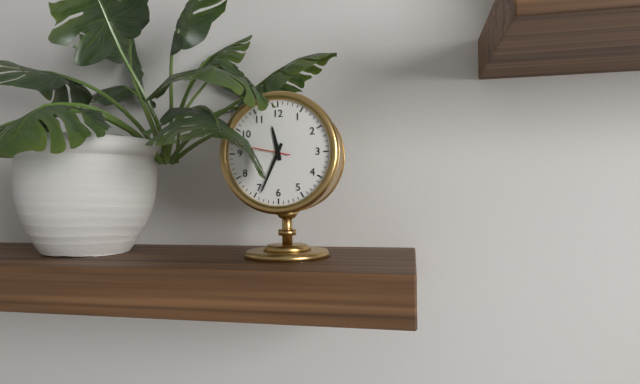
11:34:47
